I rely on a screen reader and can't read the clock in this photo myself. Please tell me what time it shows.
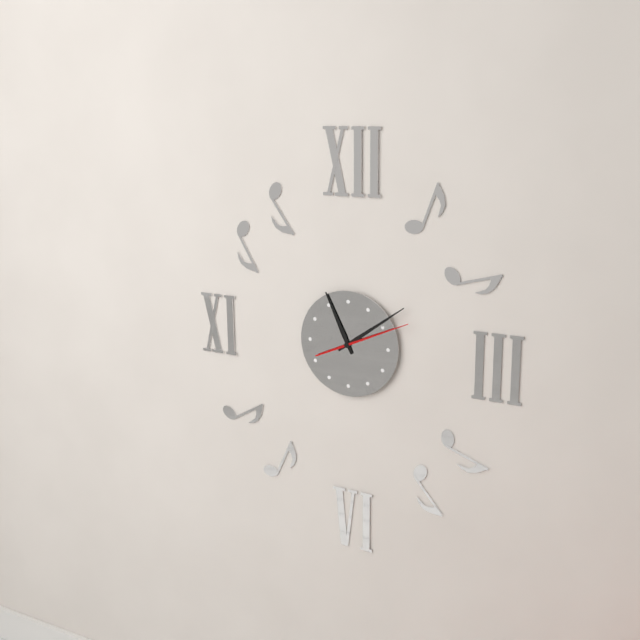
11:09:11
